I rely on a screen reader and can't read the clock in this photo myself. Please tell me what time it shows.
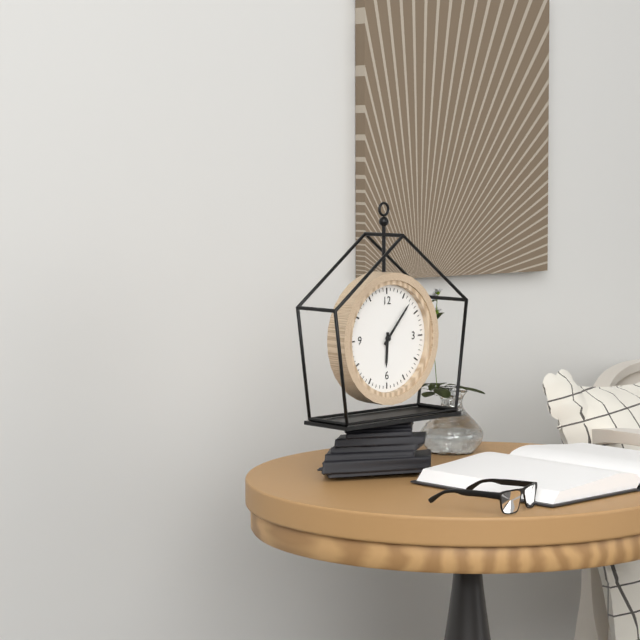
6:07
